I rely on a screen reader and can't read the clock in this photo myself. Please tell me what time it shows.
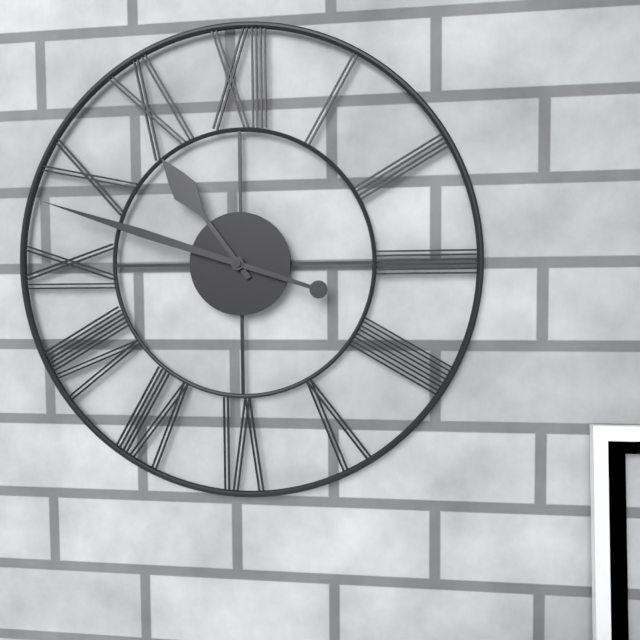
10:48
